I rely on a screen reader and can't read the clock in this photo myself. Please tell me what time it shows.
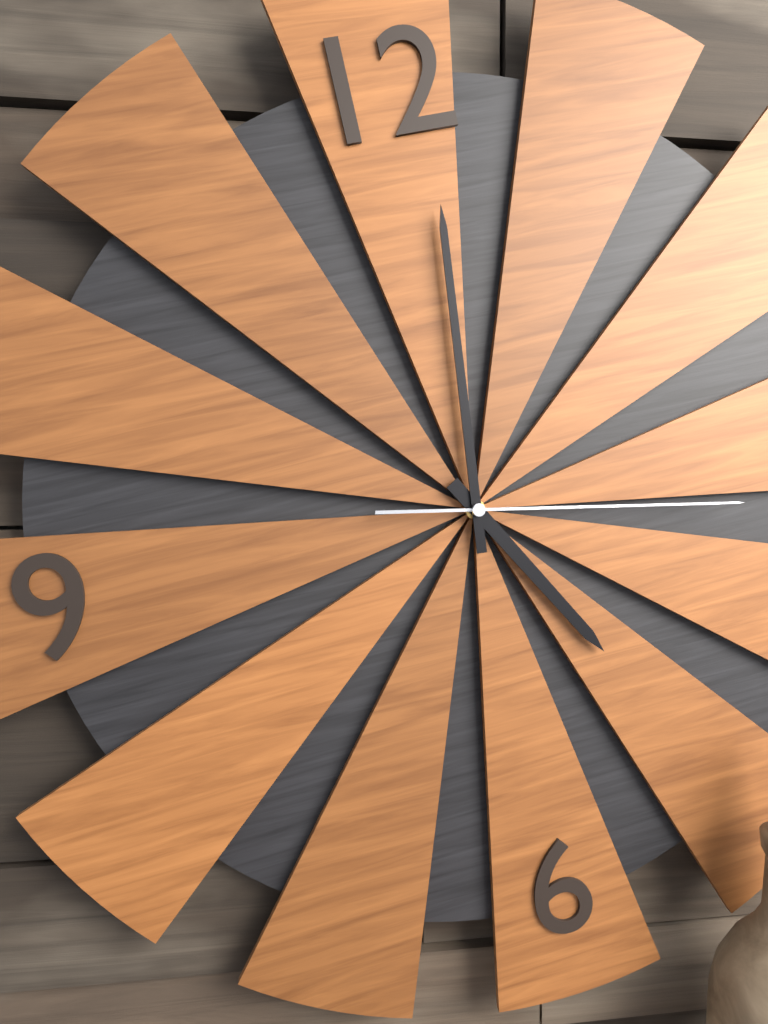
5:01:17
